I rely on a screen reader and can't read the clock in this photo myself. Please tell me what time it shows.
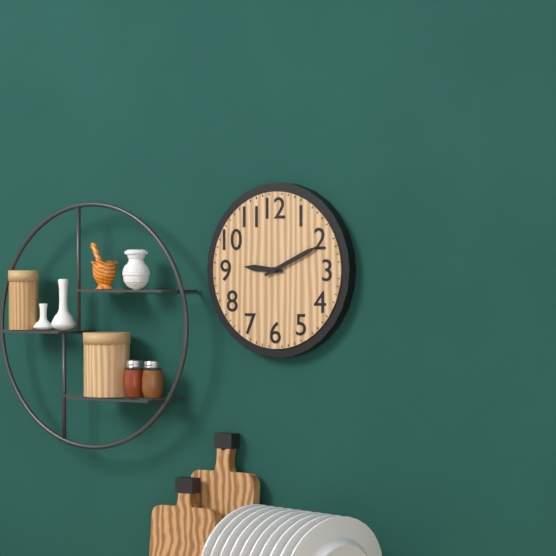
9:11
